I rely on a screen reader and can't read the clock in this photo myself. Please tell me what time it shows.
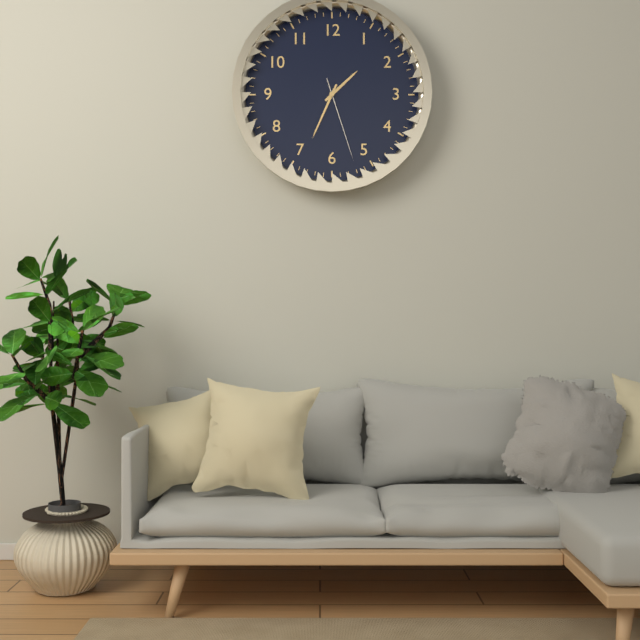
1:34:27
